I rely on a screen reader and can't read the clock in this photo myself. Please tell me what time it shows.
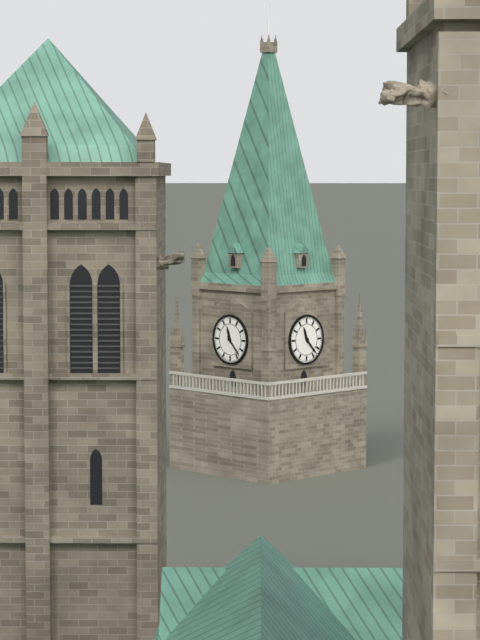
11:23
